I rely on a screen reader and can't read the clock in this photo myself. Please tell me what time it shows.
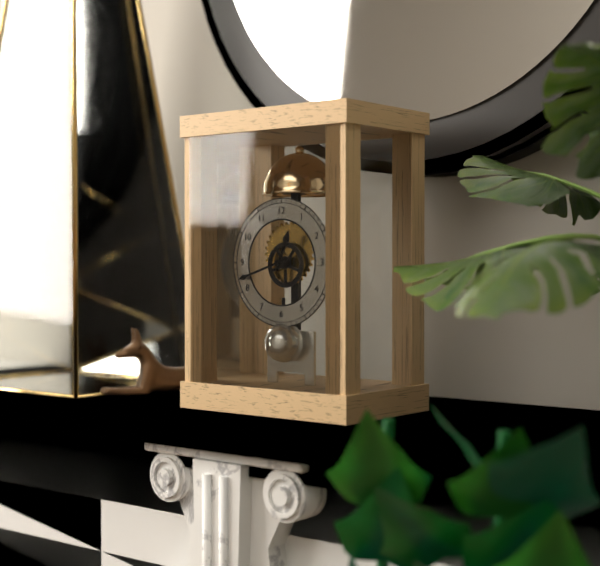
12:42
